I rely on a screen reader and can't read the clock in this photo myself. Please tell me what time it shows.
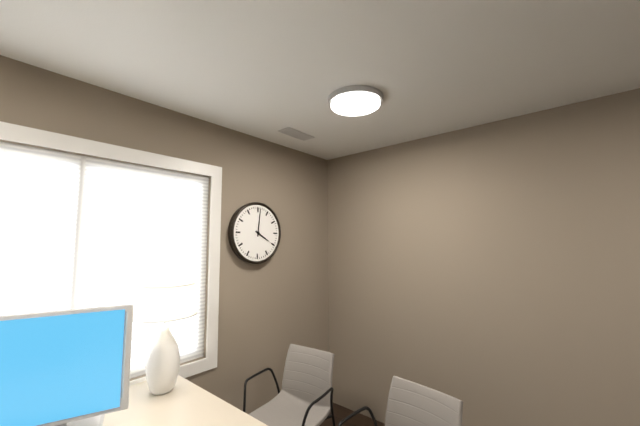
4:01
